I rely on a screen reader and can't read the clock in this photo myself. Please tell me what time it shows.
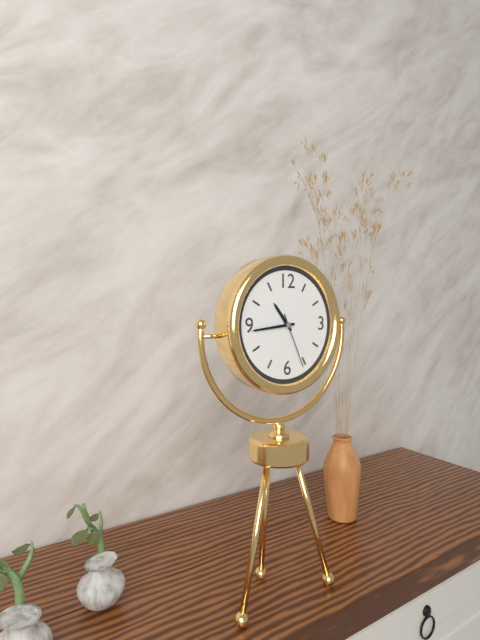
10:44:26
